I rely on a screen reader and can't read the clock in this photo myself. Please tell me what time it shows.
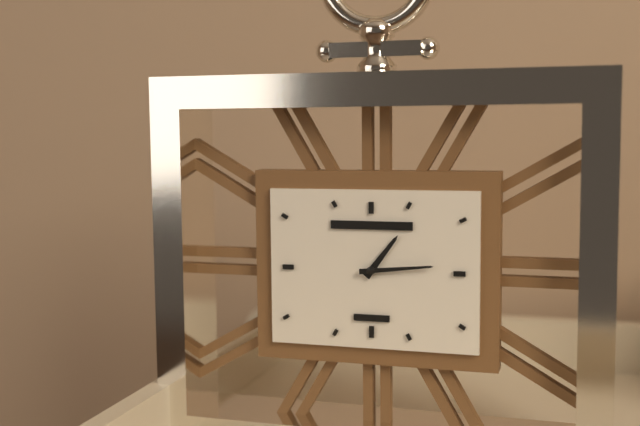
1:14
